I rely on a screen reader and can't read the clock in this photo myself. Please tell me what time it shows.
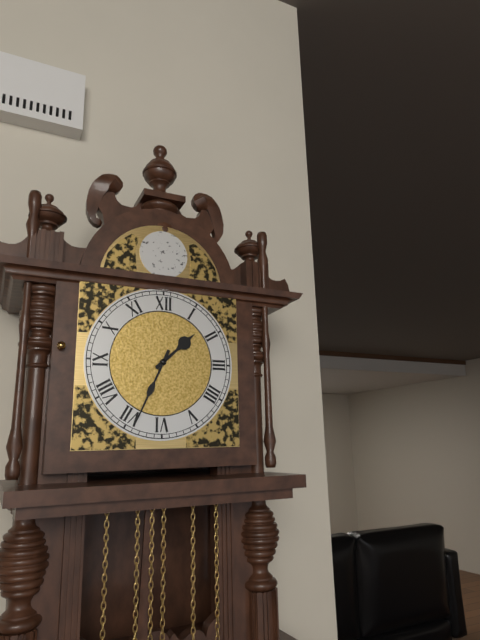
1:34
